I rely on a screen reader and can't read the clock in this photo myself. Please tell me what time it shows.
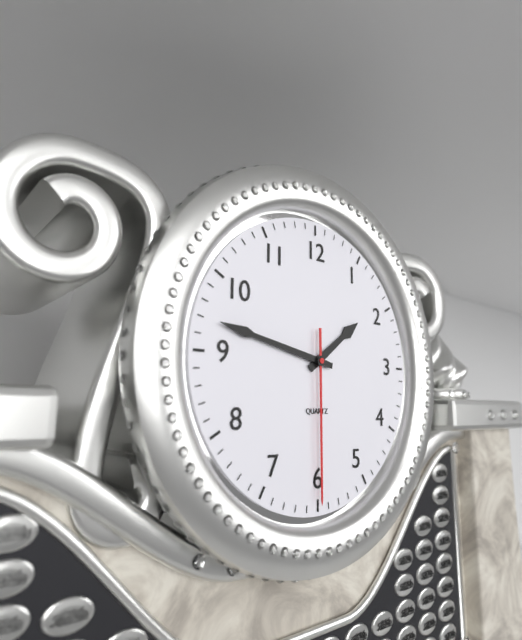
1:47:30
